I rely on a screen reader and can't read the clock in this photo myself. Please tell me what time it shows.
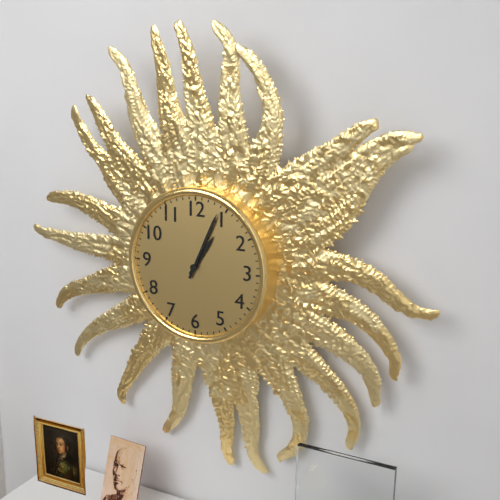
1:04
